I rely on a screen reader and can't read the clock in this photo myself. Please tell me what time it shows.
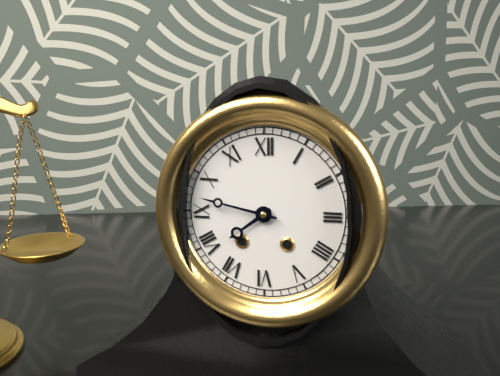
7:47
